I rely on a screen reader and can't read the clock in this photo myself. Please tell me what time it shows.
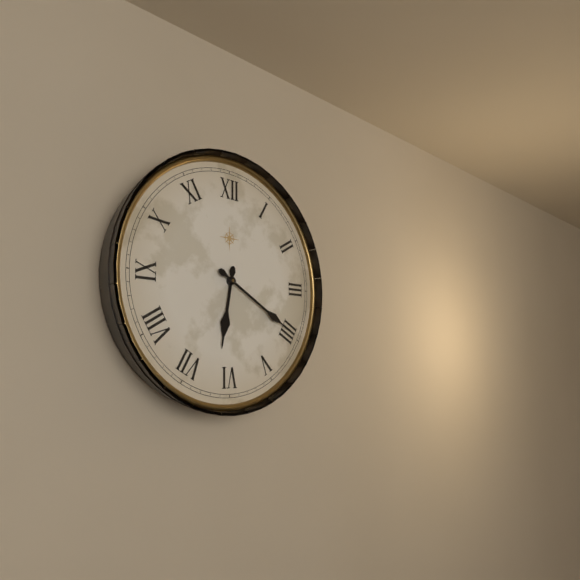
6:20
